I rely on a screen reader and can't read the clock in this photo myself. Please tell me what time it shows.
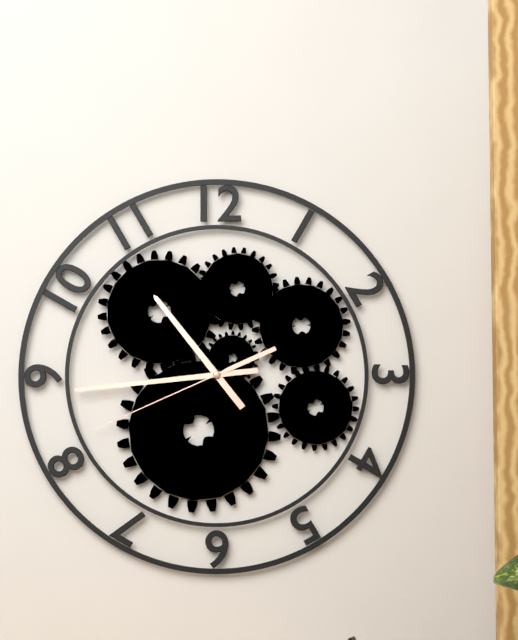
10:44:41
